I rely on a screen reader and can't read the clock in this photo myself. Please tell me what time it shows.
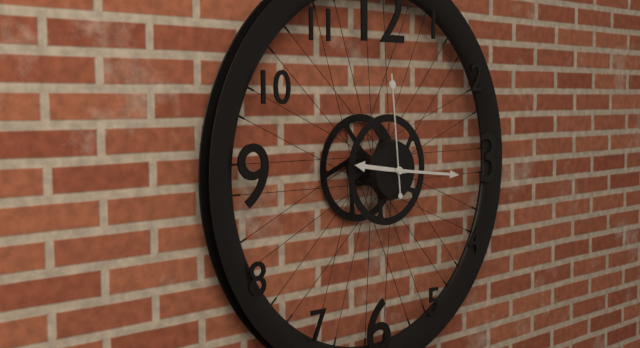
9:16:59
